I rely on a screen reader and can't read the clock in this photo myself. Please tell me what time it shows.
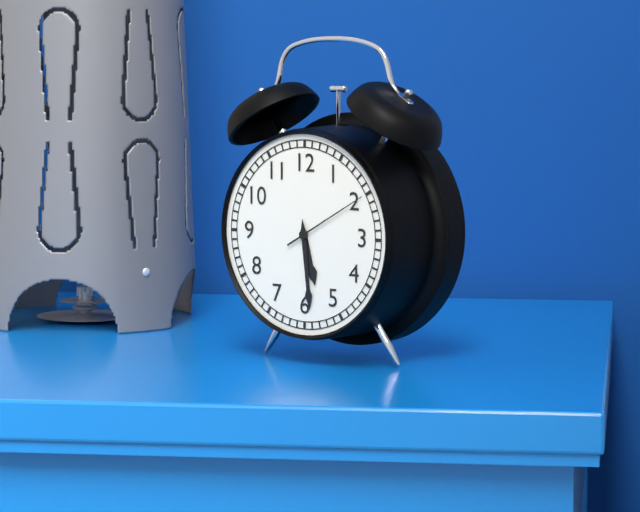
5:29:10
